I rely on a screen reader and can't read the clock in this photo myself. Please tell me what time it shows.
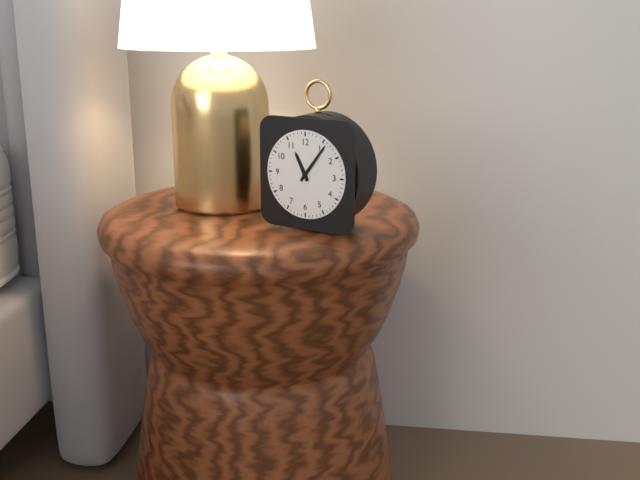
11:06
